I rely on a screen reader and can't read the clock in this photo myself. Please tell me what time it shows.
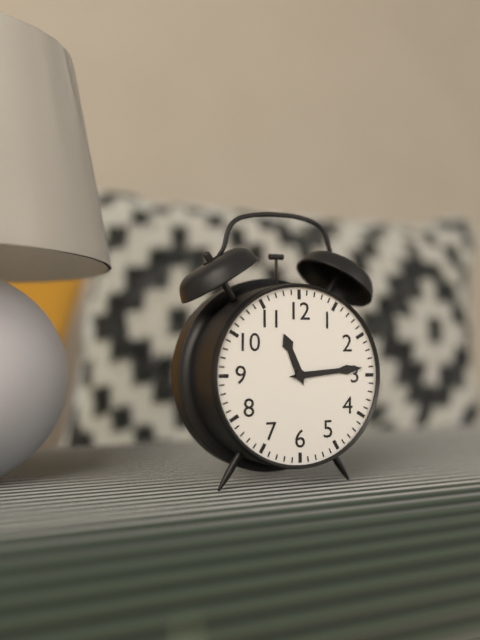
11:14
